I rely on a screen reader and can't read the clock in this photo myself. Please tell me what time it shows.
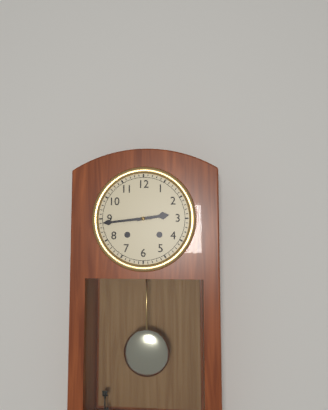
2:44
